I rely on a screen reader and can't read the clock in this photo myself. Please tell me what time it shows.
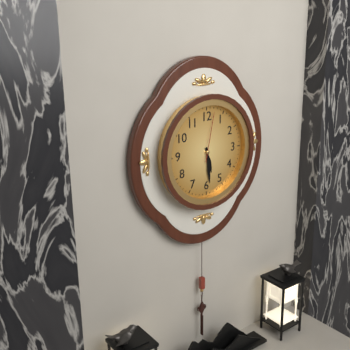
5:29:02
